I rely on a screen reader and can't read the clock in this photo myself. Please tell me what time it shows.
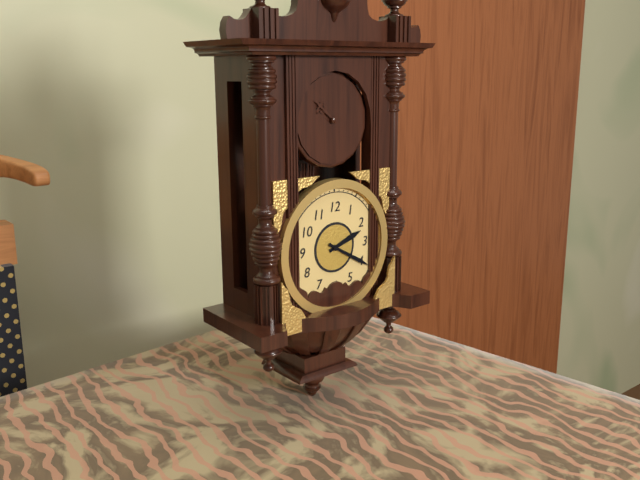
2:20
